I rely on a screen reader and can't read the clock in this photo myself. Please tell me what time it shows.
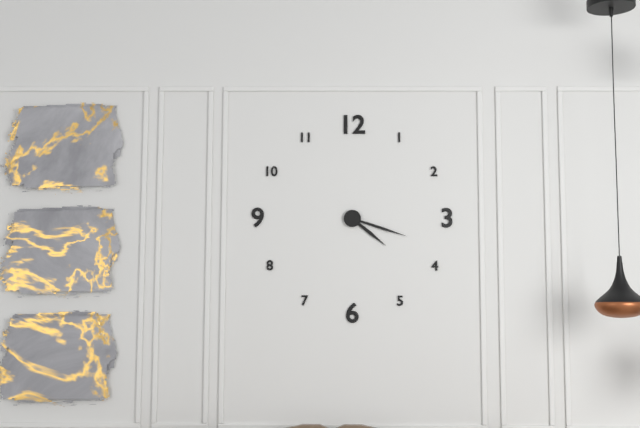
4:18
